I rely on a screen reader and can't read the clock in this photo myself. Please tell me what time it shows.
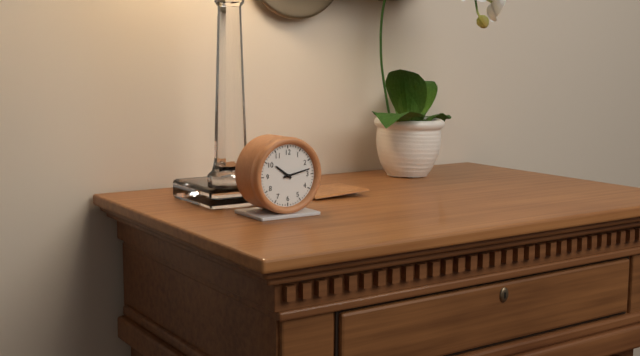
10:13
